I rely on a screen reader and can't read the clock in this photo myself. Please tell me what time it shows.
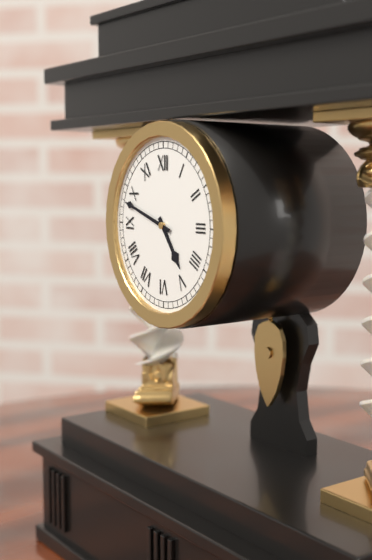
4:48
